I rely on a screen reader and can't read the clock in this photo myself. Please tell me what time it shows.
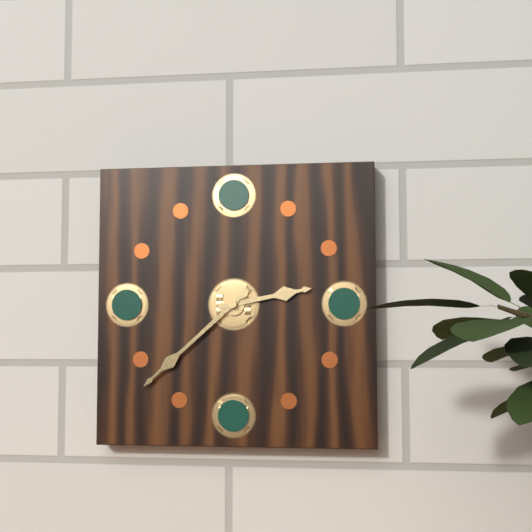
2:38
